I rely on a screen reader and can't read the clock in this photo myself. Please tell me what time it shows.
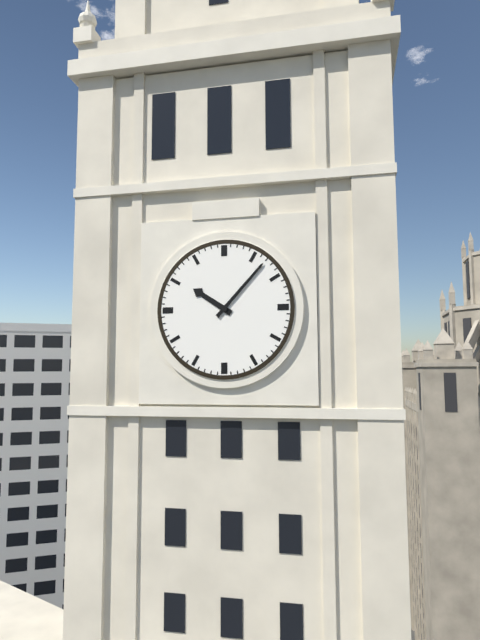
10:07
